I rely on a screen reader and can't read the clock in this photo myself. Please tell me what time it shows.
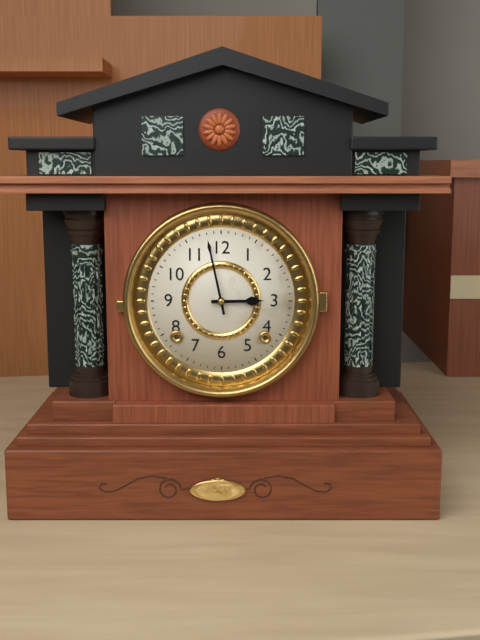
2:58
